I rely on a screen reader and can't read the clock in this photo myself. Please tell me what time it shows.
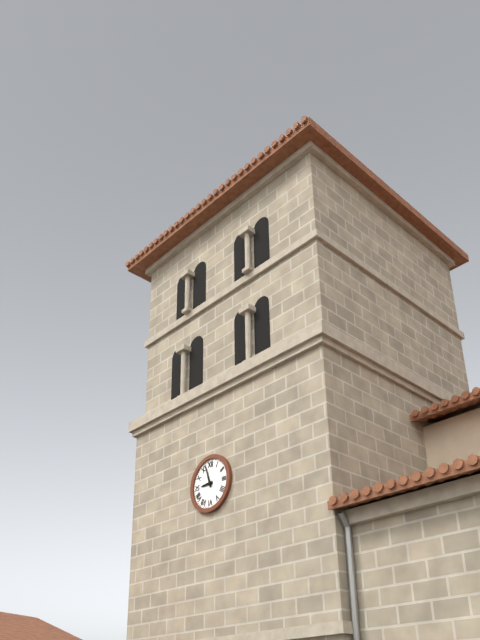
8:57
